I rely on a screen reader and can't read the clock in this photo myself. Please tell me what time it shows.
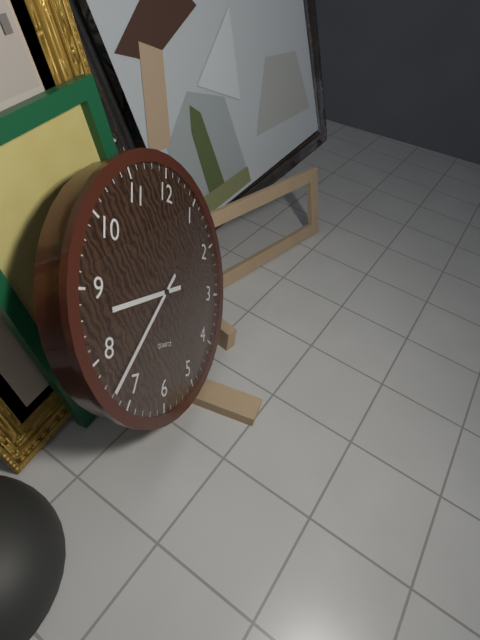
8:37
